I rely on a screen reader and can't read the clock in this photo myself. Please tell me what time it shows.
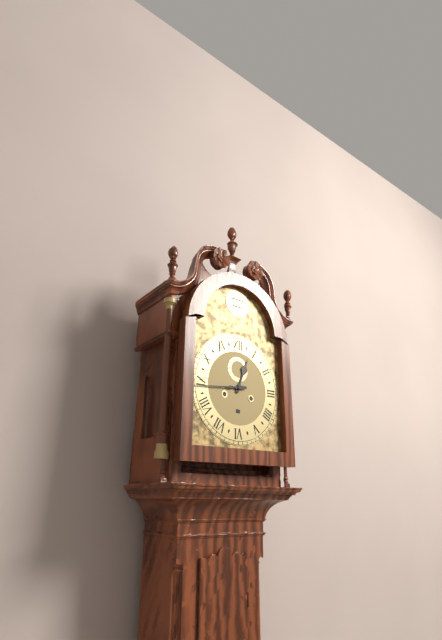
12:44
